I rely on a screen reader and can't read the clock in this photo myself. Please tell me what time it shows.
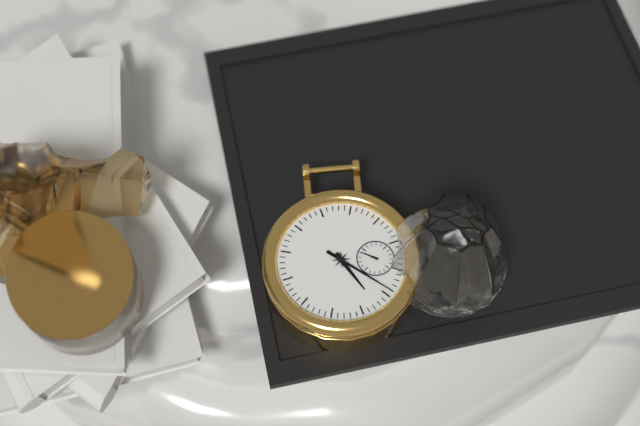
6:29
